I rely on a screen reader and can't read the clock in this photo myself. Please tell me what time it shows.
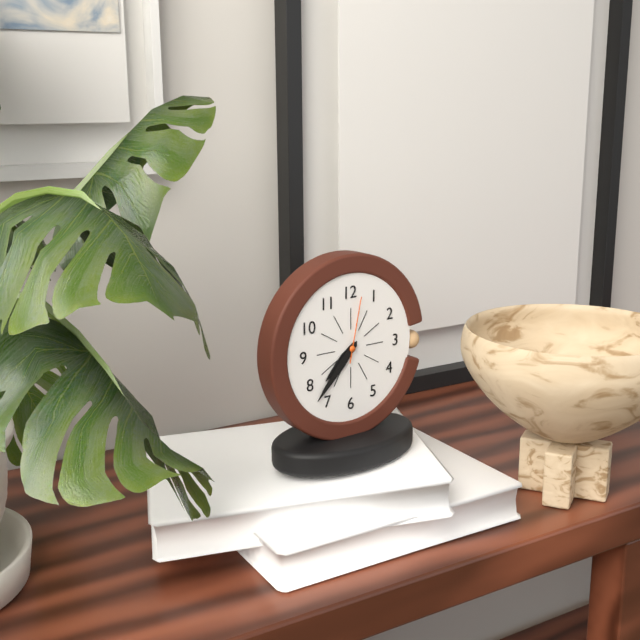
7:37:02
